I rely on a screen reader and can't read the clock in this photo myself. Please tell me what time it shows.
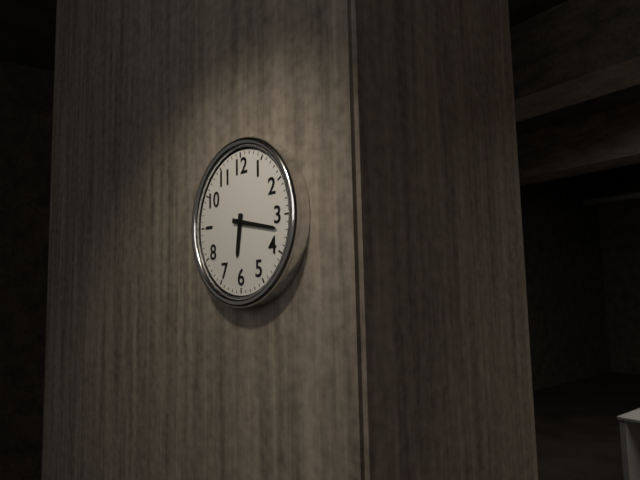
6:17
